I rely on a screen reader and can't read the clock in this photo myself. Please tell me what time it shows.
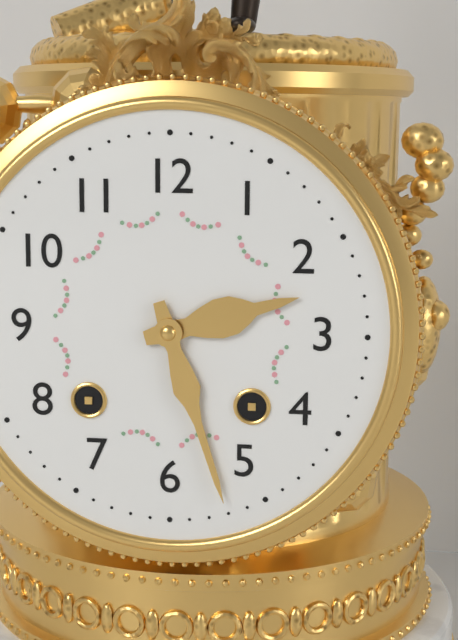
2:27
